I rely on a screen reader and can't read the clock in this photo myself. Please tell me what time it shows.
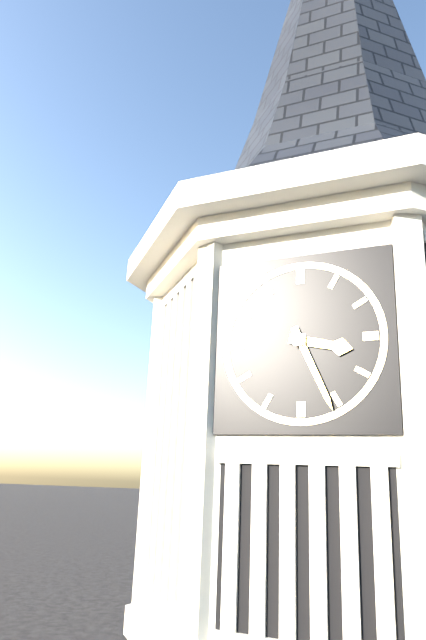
3:26
